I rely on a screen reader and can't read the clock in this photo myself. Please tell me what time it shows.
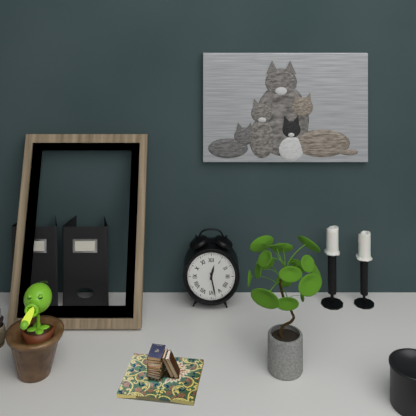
12:28
